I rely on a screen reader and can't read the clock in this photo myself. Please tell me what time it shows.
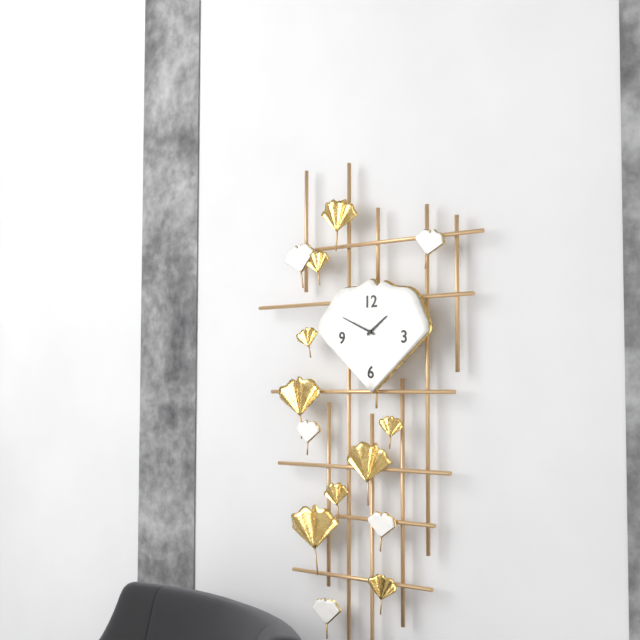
1:49
